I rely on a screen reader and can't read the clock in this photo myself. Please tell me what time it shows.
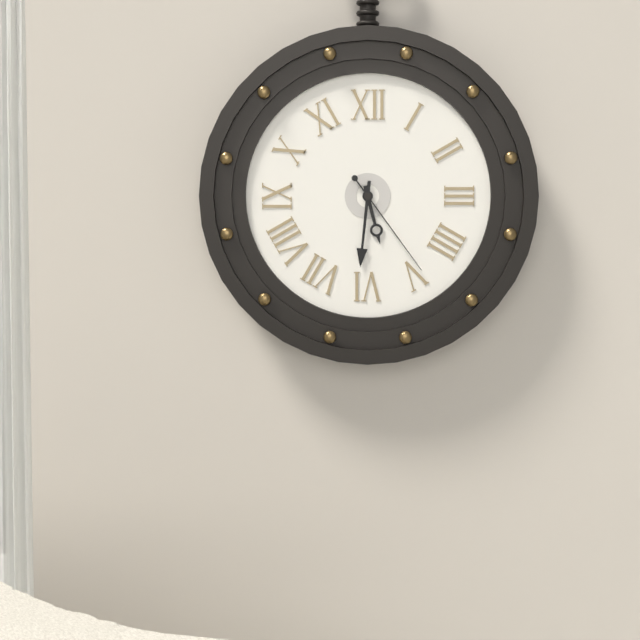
5:31:24
